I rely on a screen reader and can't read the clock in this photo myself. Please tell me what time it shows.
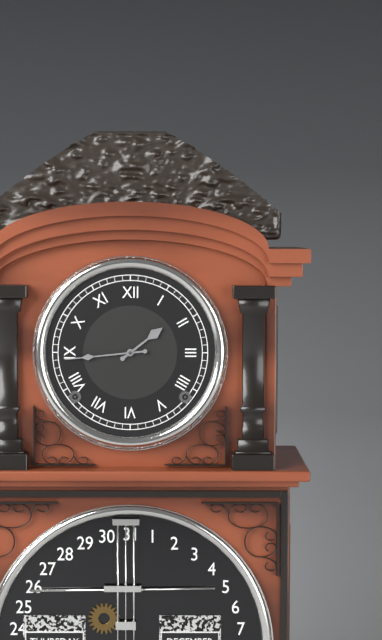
1:44
